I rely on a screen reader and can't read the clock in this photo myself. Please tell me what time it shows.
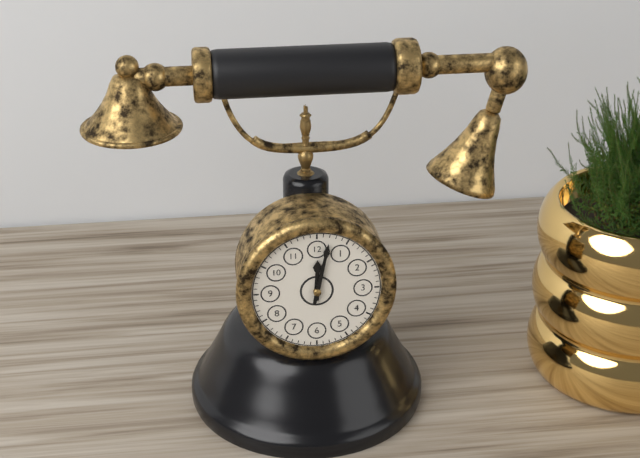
12:02
